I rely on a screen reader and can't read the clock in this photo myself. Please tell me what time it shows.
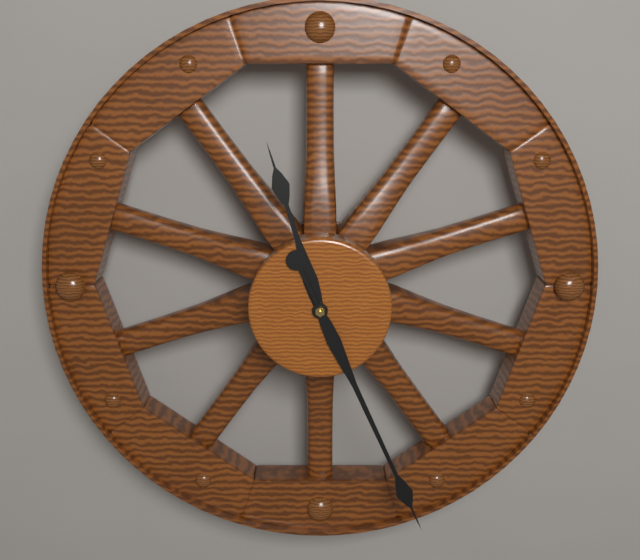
11:26
